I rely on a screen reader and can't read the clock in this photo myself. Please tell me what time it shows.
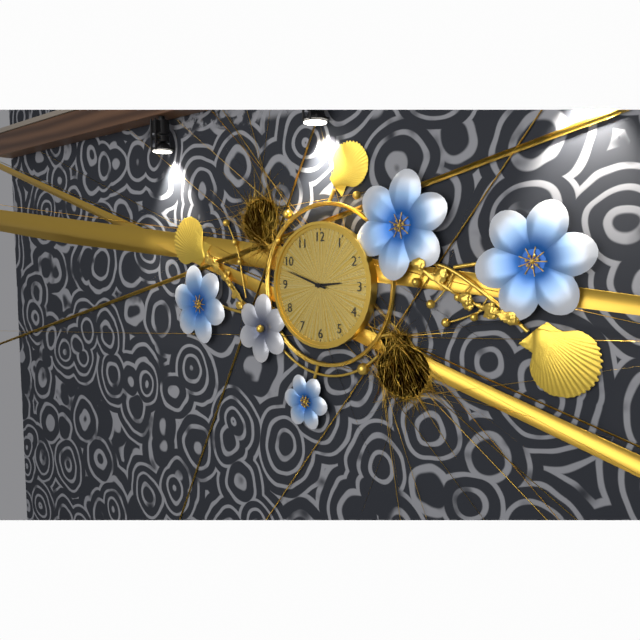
2:48
